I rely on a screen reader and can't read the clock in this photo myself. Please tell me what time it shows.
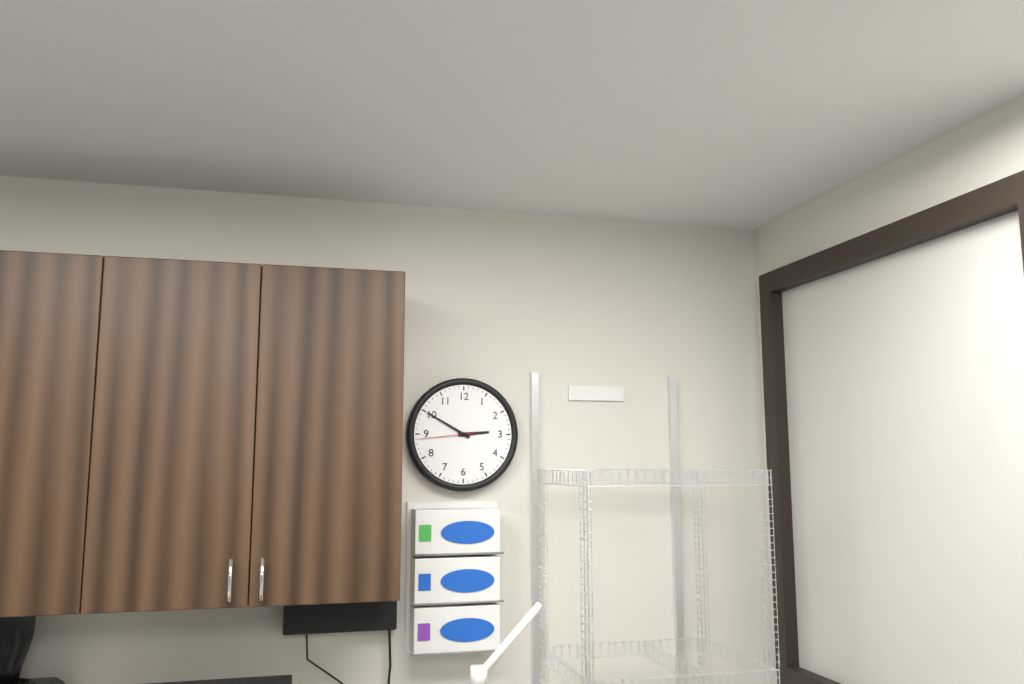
2:50:44
